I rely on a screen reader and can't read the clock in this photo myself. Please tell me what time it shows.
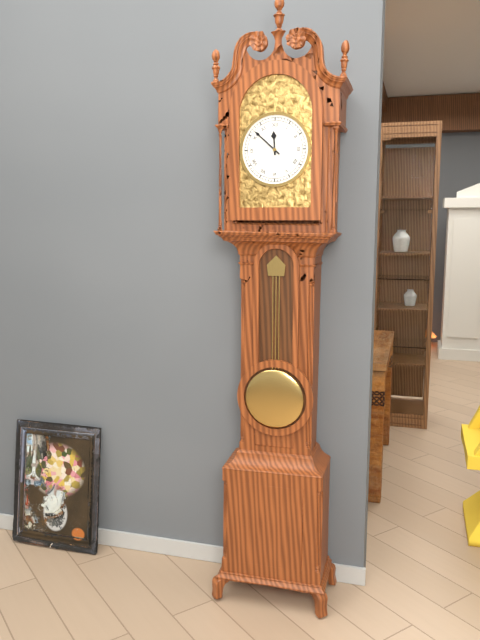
11:52
